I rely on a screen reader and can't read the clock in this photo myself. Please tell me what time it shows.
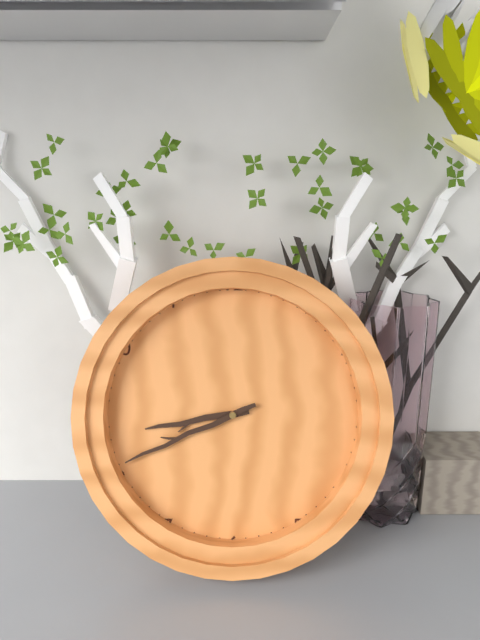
8:41
